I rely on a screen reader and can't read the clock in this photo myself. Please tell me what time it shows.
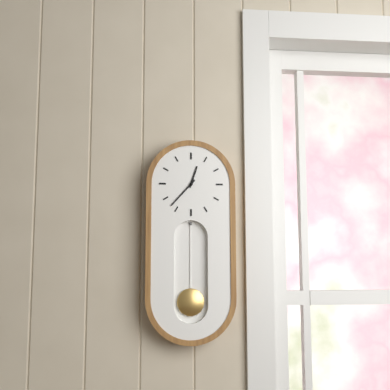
12:37
